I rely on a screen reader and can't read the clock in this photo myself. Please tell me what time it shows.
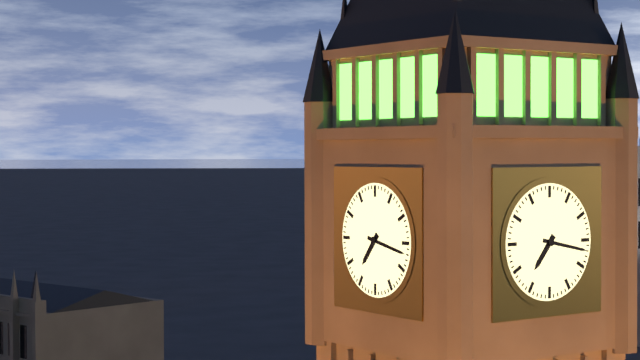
7:17
